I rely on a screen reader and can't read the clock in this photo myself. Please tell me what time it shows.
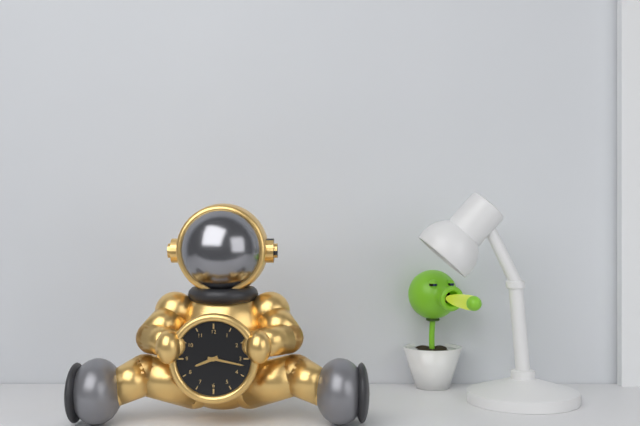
8:17
